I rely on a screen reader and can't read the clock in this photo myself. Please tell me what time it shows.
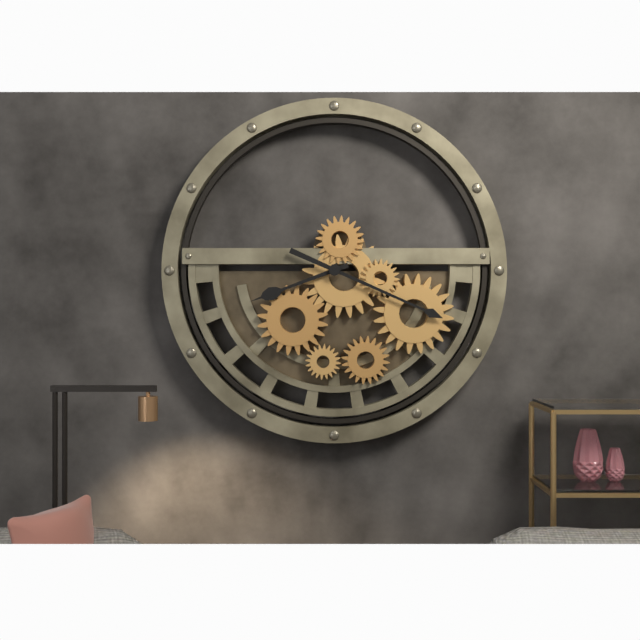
8:19
